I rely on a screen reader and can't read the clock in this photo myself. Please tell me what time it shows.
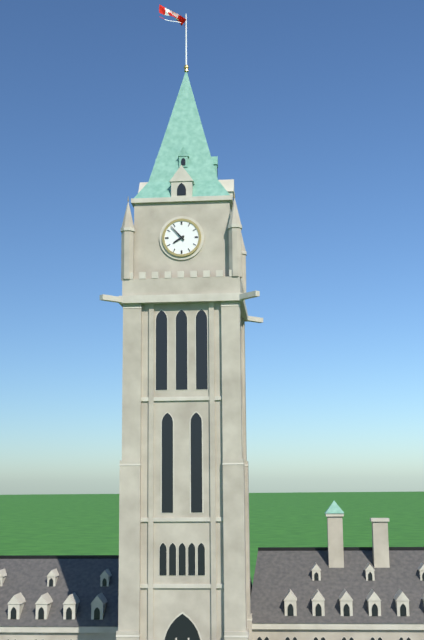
7:53
